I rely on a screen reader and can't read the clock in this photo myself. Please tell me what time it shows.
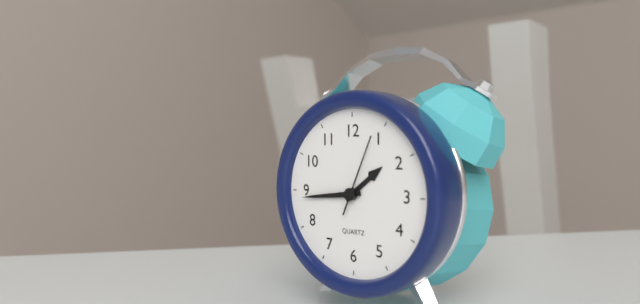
1:44:04
